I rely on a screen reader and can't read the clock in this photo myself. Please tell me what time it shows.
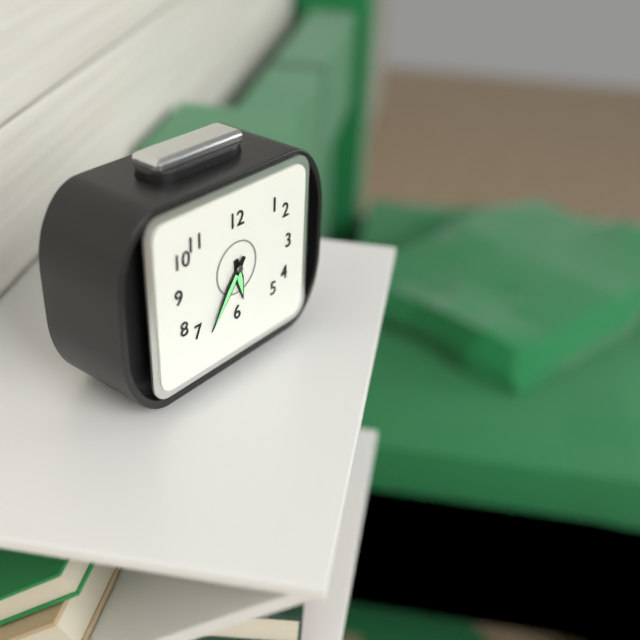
5:36
